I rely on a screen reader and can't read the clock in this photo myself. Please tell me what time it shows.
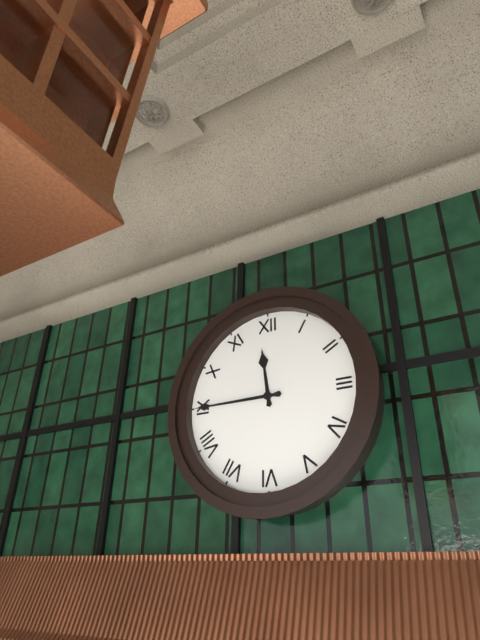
11:45
